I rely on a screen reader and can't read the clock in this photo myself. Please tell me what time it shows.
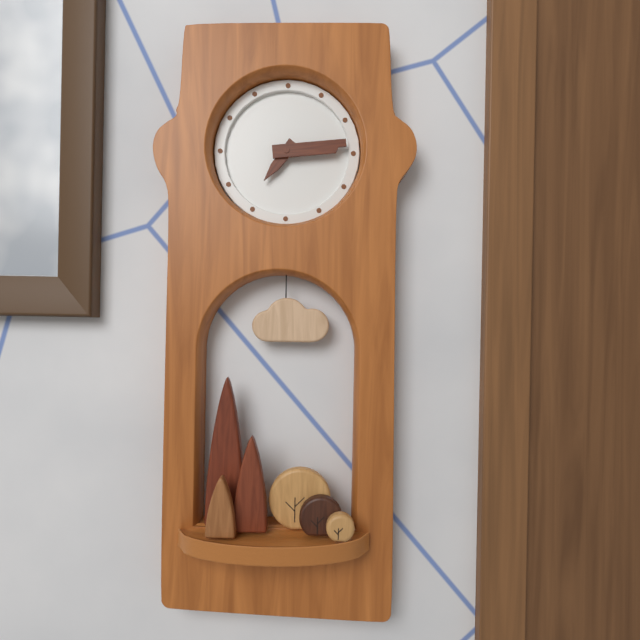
7:14
